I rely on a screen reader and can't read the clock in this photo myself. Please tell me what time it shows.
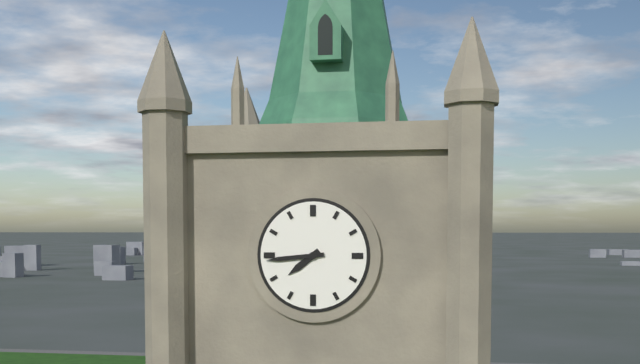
7:44
